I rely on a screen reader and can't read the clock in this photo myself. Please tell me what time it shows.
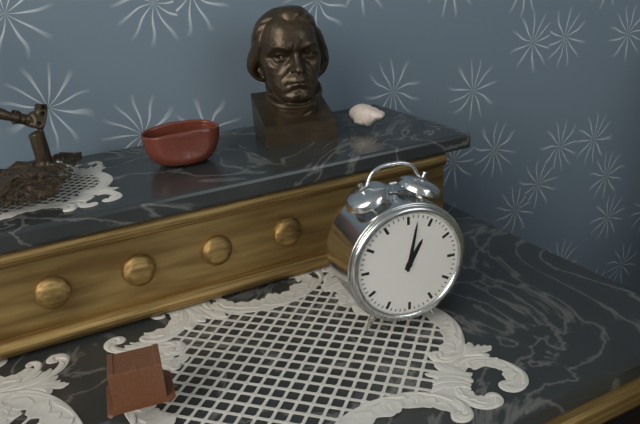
1:02
